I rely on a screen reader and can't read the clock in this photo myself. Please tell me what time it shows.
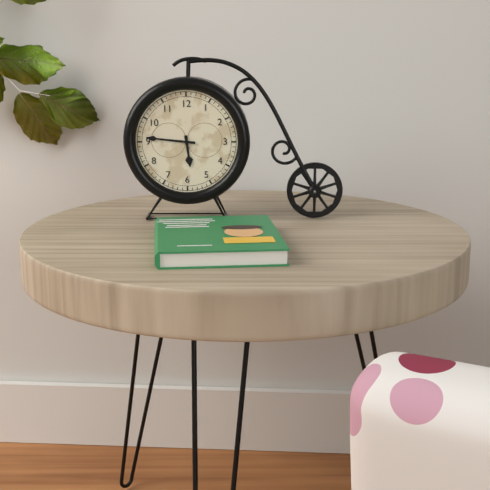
5:46
